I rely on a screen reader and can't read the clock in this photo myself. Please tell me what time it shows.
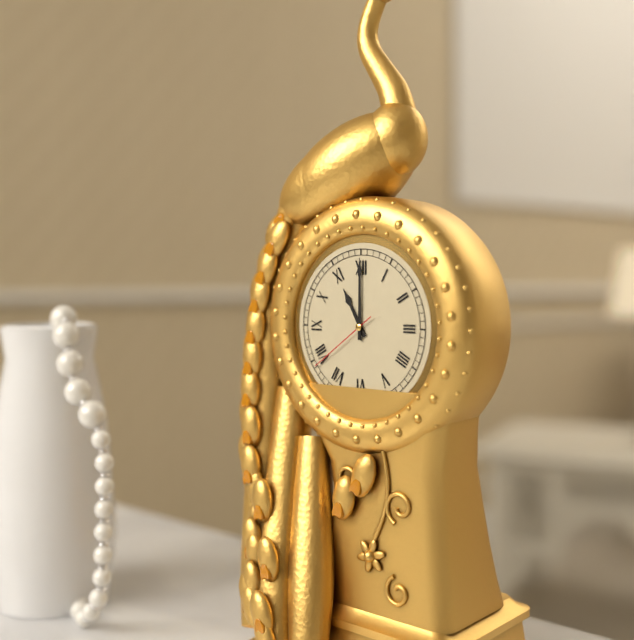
11:00:39
